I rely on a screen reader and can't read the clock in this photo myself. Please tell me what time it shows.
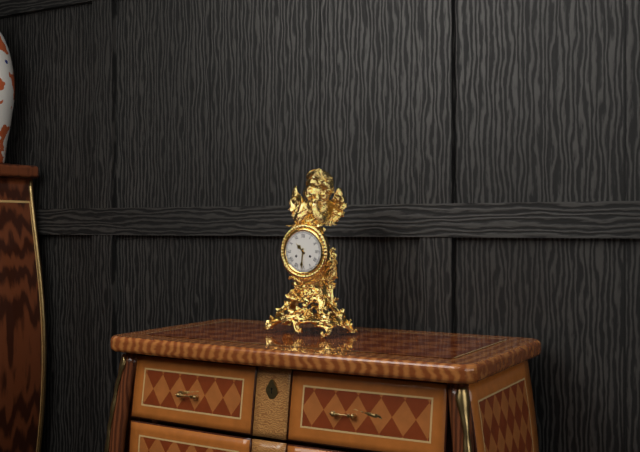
10:31
